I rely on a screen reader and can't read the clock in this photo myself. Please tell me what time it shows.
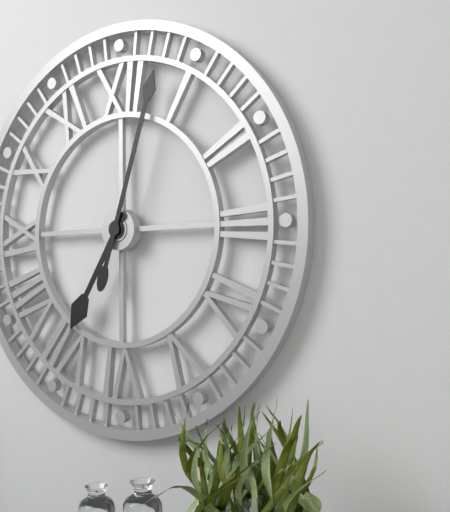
7:03
